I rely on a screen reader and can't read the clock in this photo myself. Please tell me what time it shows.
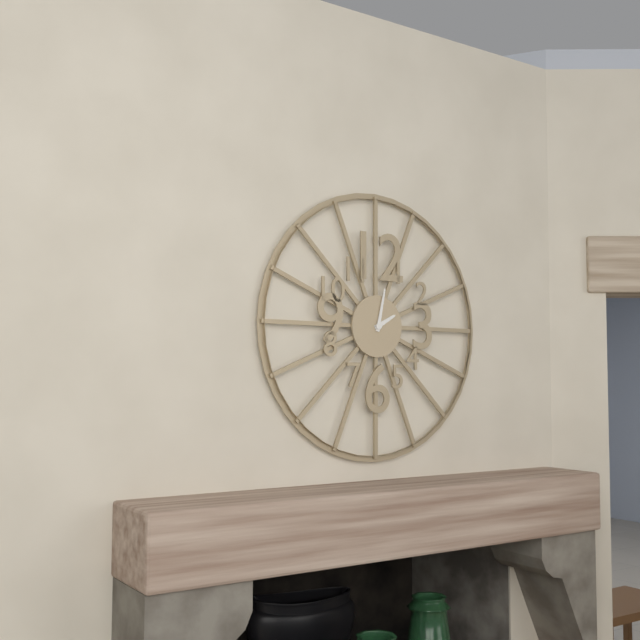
2:02
